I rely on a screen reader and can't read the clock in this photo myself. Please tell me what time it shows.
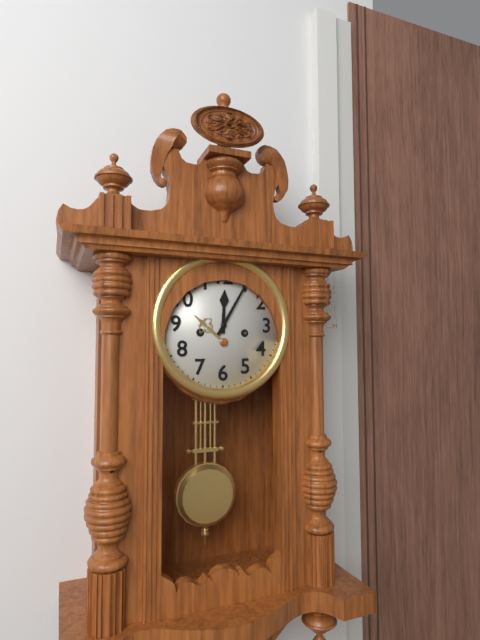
12:05
